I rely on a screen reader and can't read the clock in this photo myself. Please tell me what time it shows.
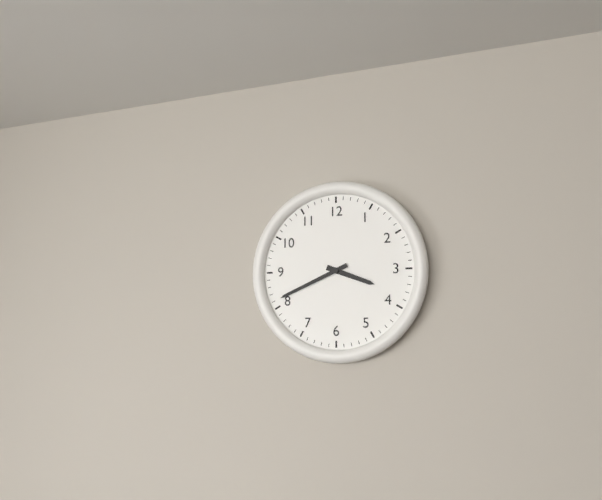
3:41
